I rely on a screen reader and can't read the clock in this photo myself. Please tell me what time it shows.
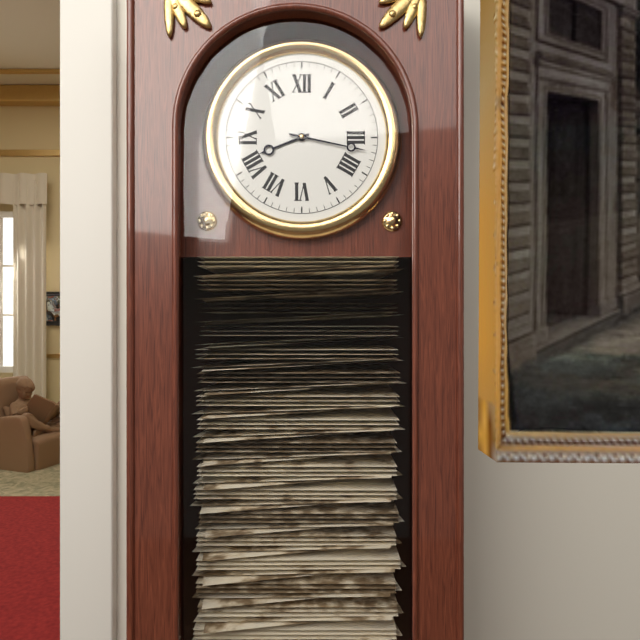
8:17
